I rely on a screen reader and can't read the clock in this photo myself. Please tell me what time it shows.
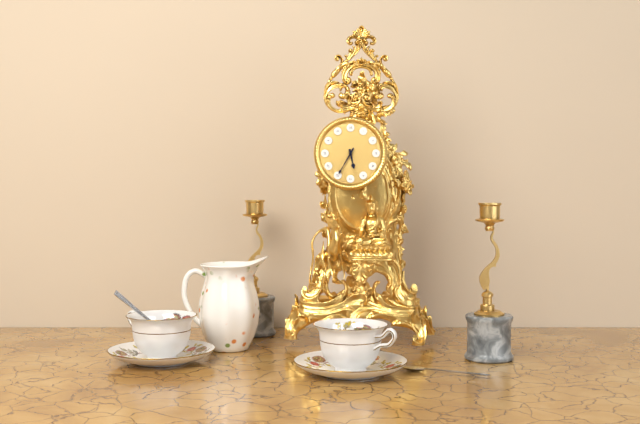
5:35
